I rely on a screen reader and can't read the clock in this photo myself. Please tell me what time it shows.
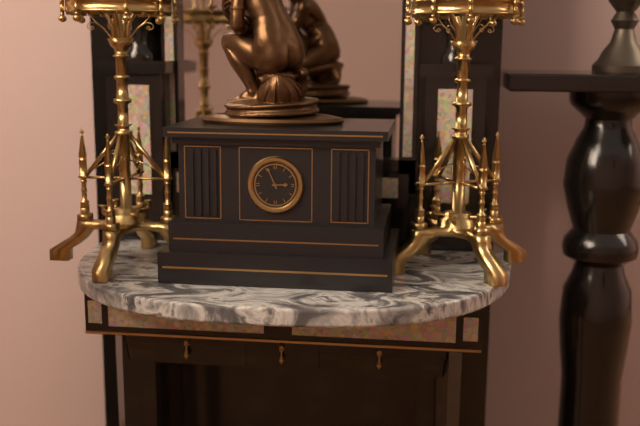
2:56
